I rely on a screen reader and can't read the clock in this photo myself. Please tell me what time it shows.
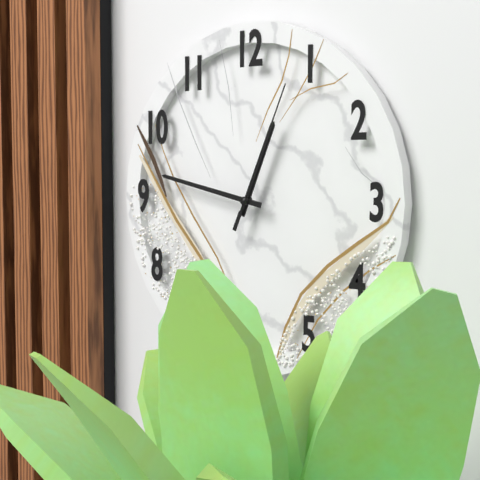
12:47:04
